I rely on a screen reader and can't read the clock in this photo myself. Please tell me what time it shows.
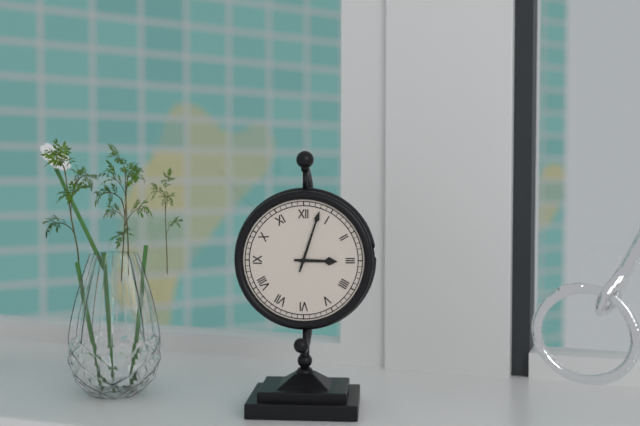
3:03
